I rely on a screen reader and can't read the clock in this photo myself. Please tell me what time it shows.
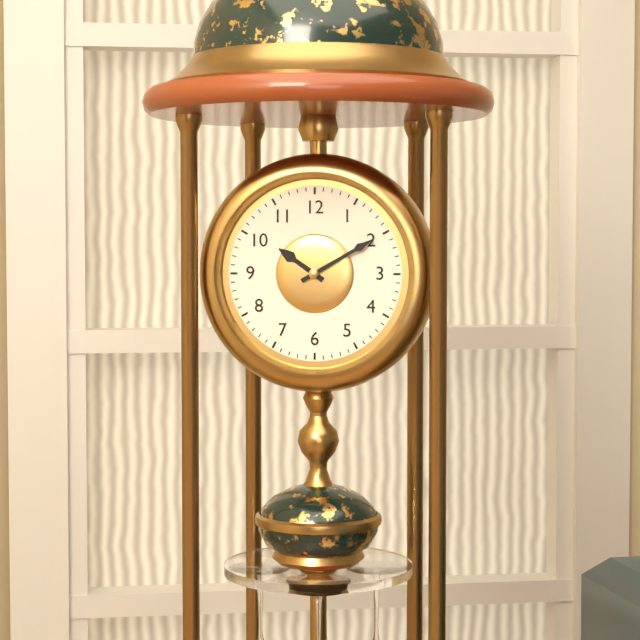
10:10
